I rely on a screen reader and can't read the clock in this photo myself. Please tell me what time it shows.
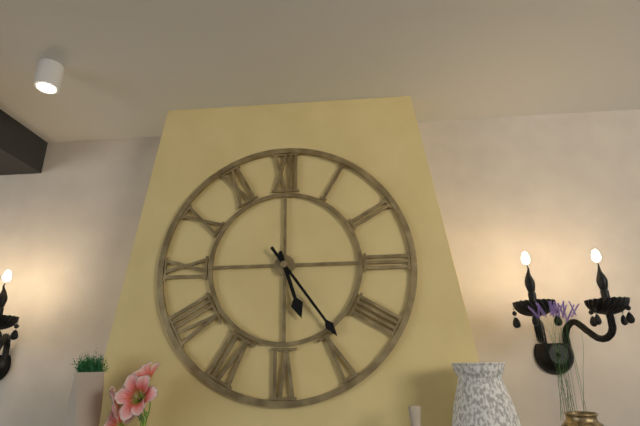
5:24
